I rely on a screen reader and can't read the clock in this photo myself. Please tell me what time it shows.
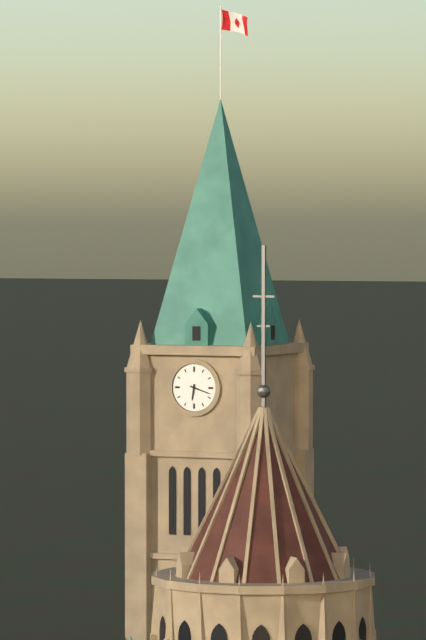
6:18
